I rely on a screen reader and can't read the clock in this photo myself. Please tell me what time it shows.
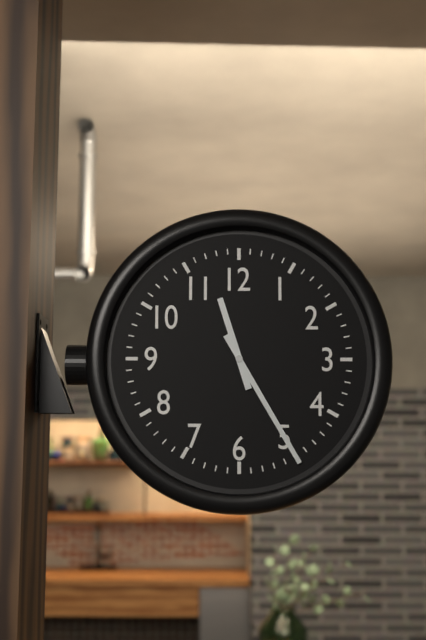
11:25
